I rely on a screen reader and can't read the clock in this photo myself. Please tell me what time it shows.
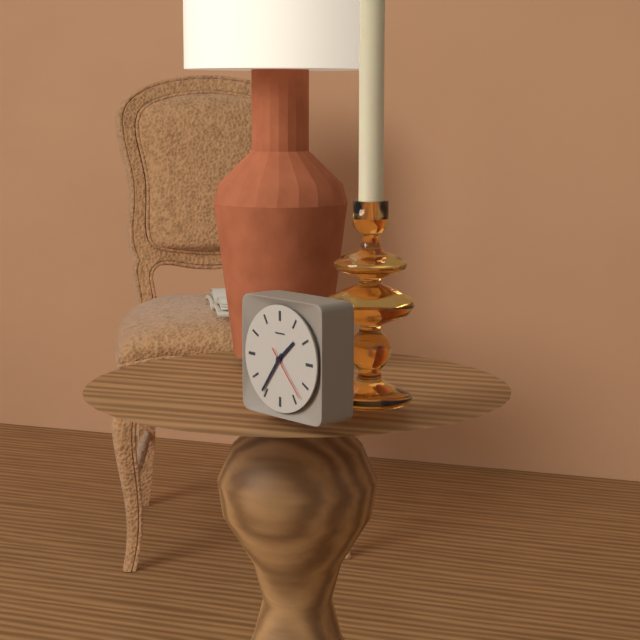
1:36:23
